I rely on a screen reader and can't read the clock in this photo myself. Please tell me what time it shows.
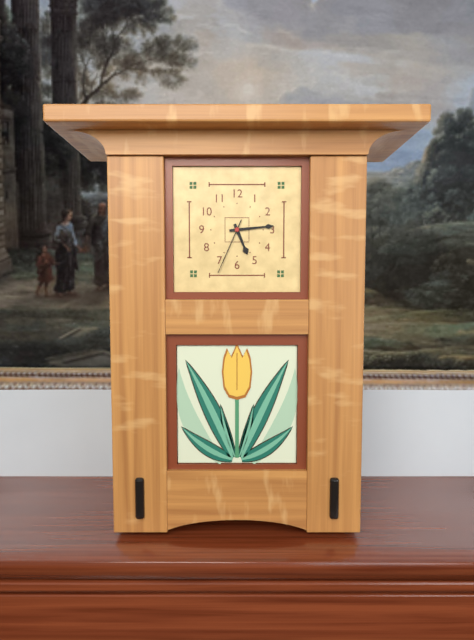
5:14:34
